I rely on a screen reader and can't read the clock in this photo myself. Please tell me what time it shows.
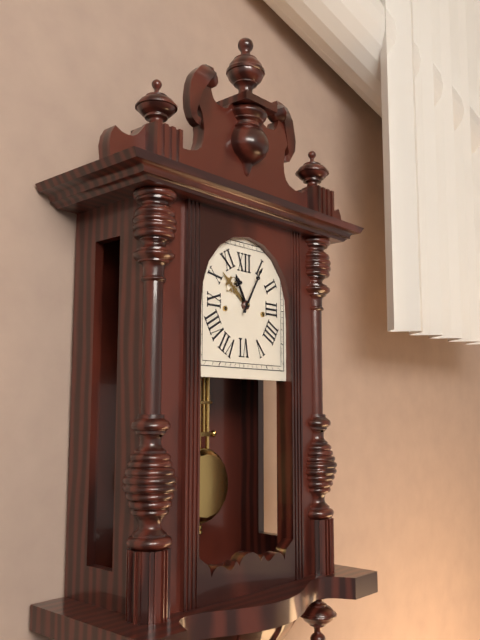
11:05
